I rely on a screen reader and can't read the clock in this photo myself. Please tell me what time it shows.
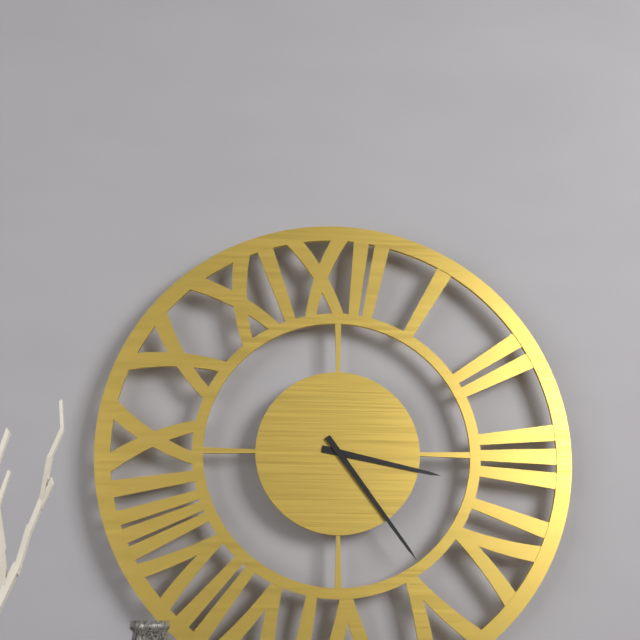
3:24
